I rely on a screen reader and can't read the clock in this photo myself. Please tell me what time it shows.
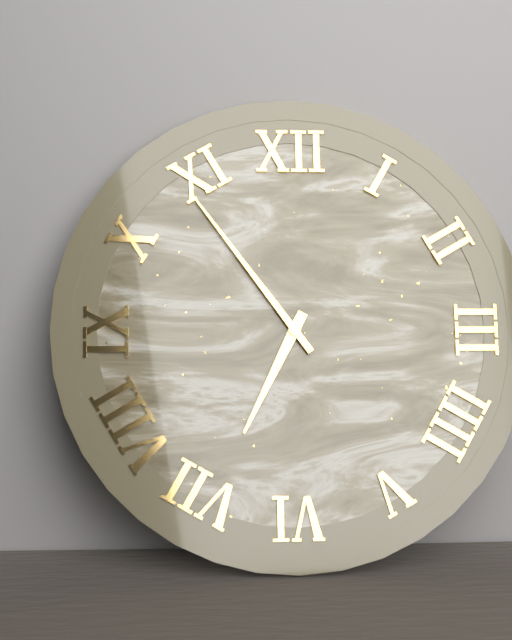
6:54
